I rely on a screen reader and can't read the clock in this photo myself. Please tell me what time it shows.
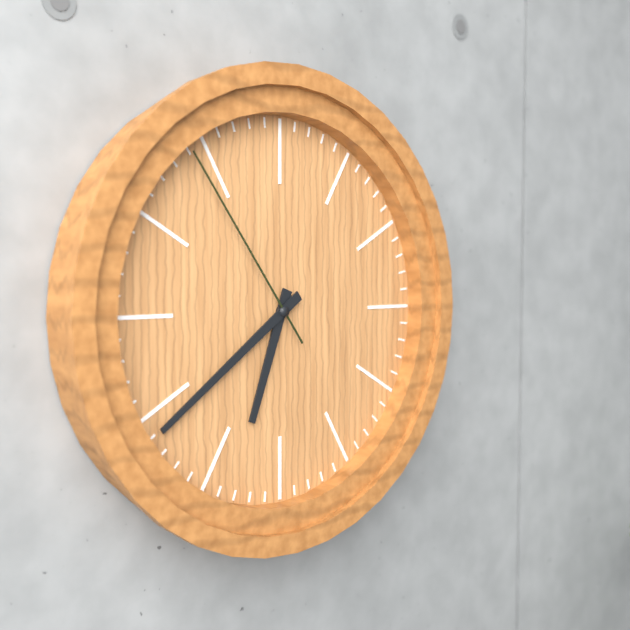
6:39:54
